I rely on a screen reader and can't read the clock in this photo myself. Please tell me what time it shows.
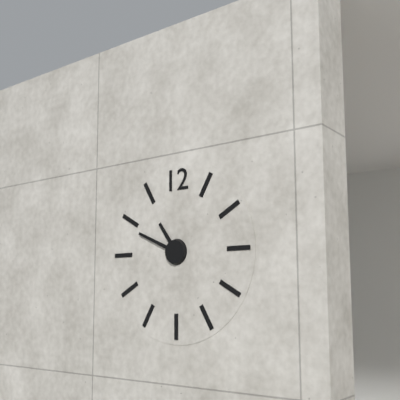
10:49
